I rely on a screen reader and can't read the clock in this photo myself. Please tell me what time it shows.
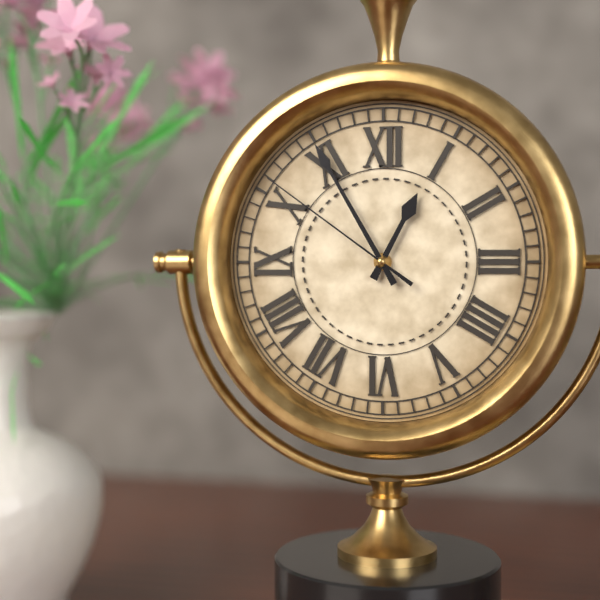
12:55:51
